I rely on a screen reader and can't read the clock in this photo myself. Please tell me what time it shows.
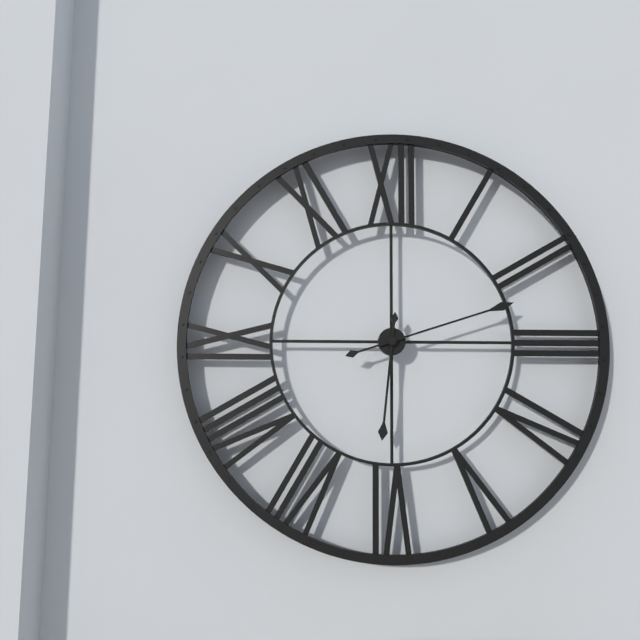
6:12
